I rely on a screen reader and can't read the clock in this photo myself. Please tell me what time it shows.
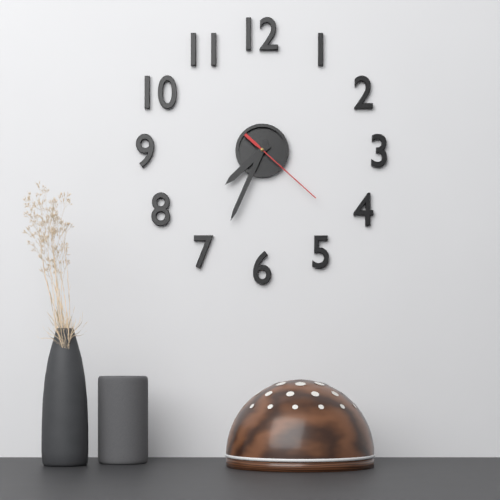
7:34:22
